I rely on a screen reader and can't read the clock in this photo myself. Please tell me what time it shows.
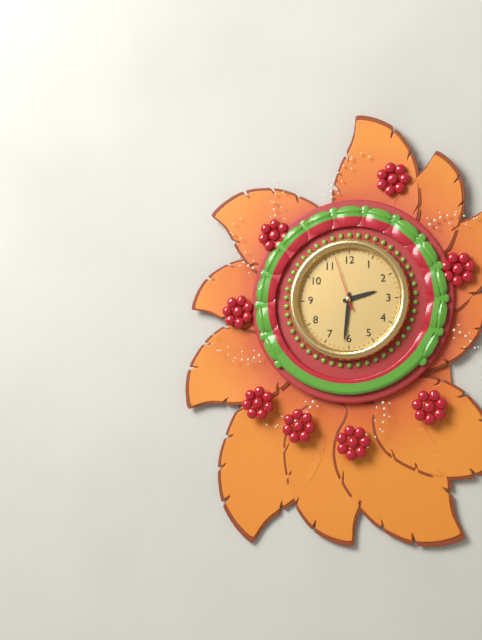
2:31:57
